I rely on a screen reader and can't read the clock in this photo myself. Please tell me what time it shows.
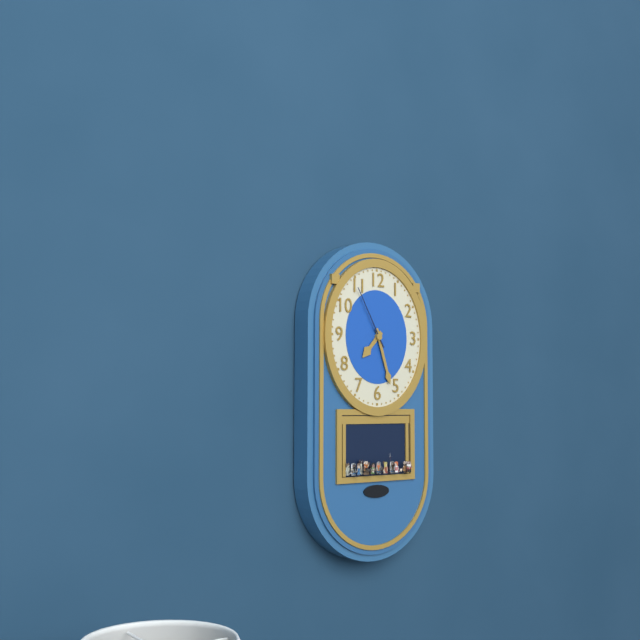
7:27:55
